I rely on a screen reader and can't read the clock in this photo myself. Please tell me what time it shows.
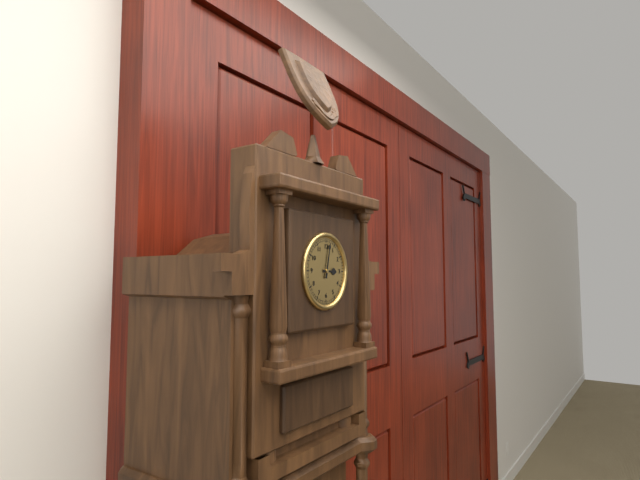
3:02
